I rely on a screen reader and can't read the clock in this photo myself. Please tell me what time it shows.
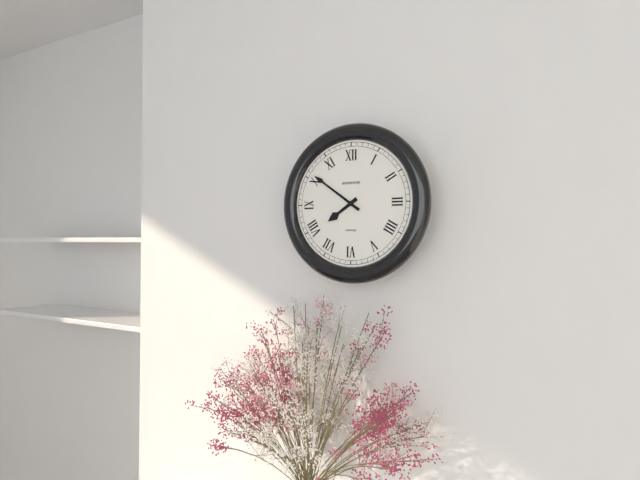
7:51
